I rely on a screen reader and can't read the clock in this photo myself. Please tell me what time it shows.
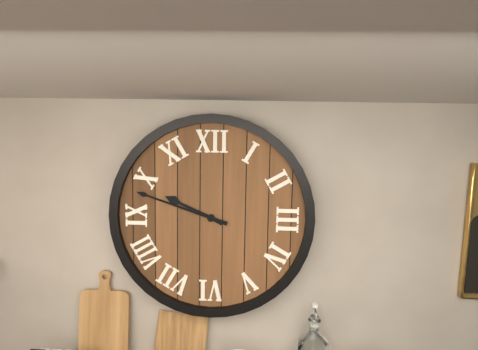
9:48
